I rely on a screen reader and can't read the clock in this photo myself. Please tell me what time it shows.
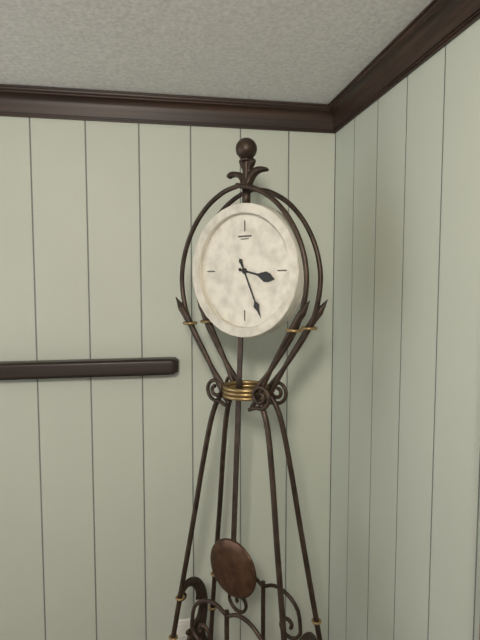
3:26
